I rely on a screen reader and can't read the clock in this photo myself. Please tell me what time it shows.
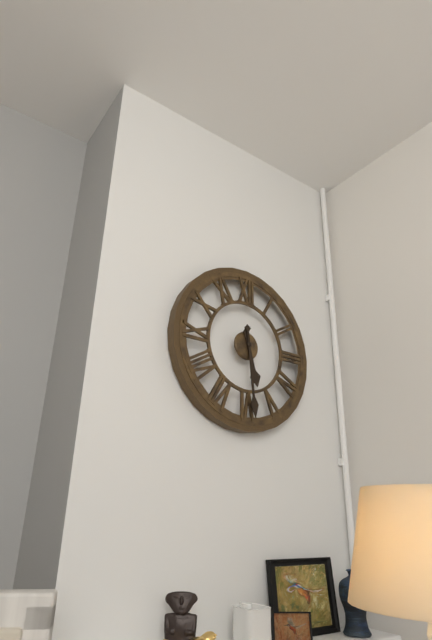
5:29
